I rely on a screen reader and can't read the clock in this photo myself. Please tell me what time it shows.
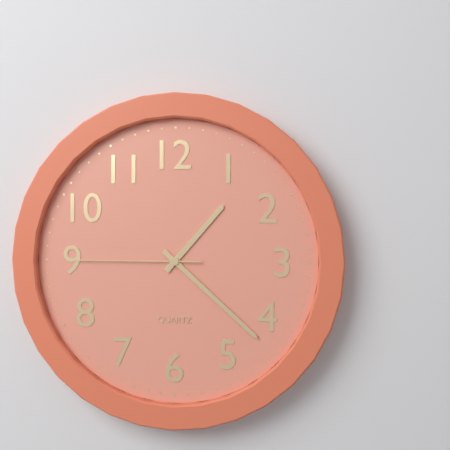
1:22:45
